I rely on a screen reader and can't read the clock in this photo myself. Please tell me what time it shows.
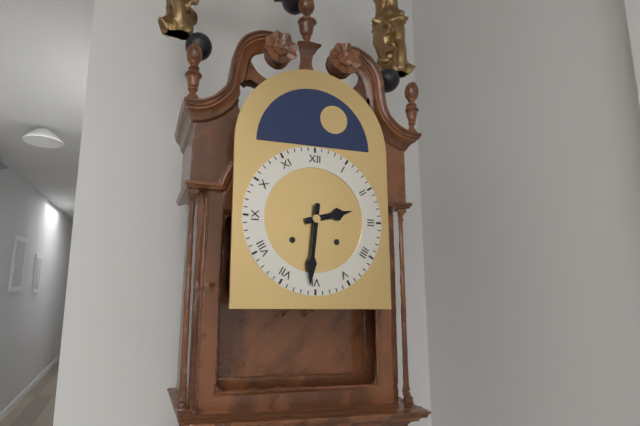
2:31
